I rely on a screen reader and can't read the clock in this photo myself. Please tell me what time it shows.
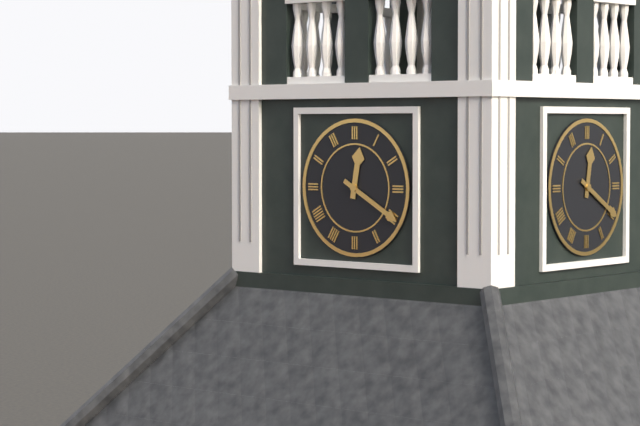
12:20
